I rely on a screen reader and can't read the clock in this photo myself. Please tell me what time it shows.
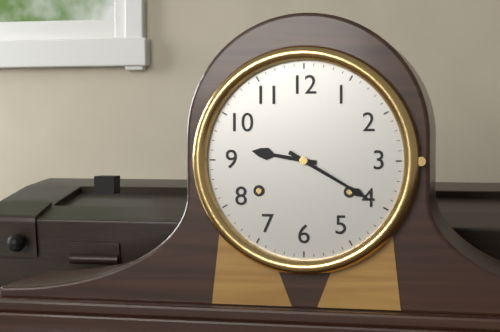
9:20
